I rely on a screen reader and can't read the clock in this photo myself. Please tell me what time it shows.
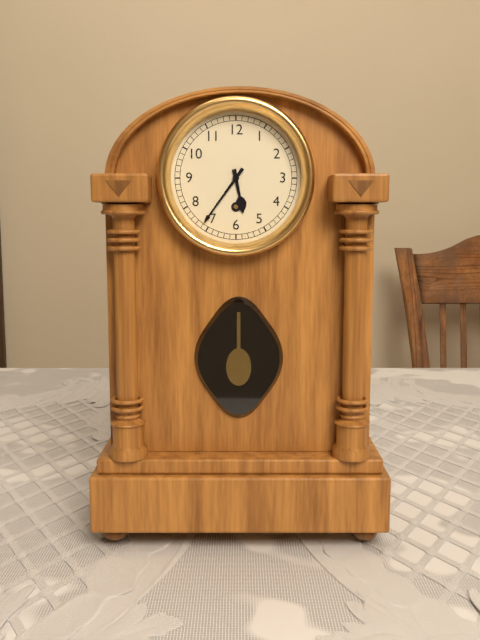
5:36
